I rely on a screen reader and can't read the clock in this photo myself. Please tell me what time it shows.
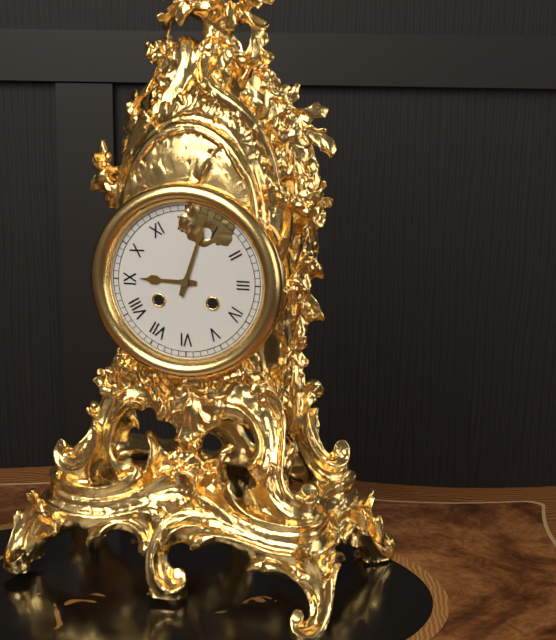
9:03
